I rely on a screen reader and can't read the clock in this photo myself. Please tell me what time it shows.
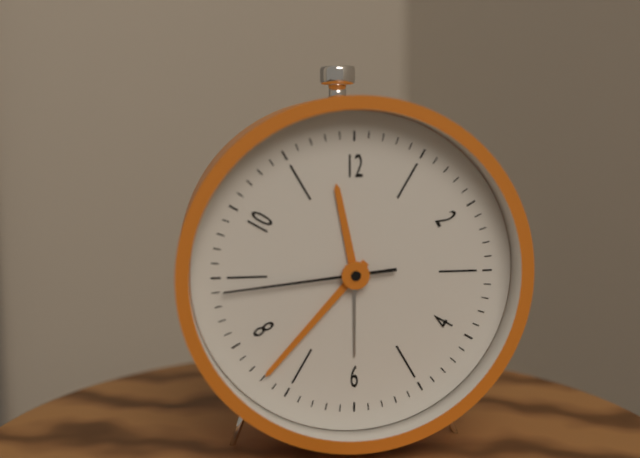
11:37:44
